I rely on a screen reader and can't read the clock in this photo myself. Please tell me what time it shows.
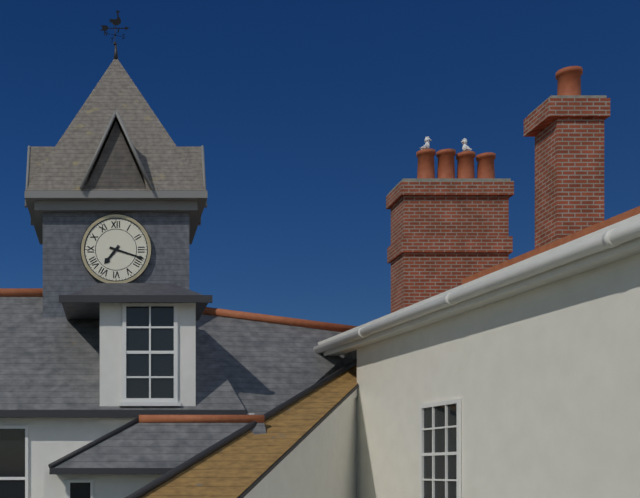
7:18
